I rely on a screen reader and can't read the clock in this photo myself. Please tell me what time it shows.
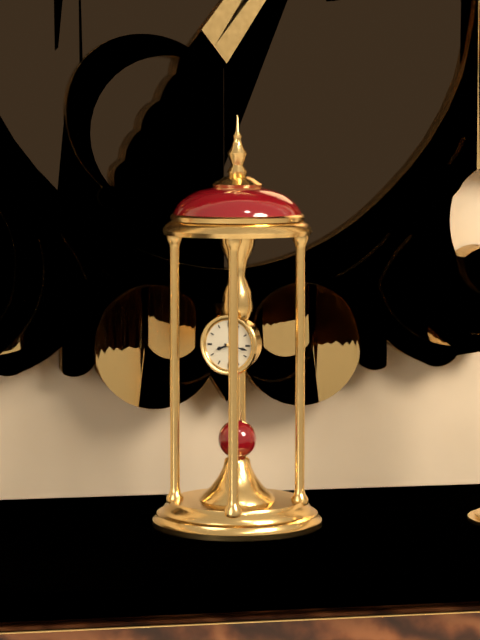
8:17
